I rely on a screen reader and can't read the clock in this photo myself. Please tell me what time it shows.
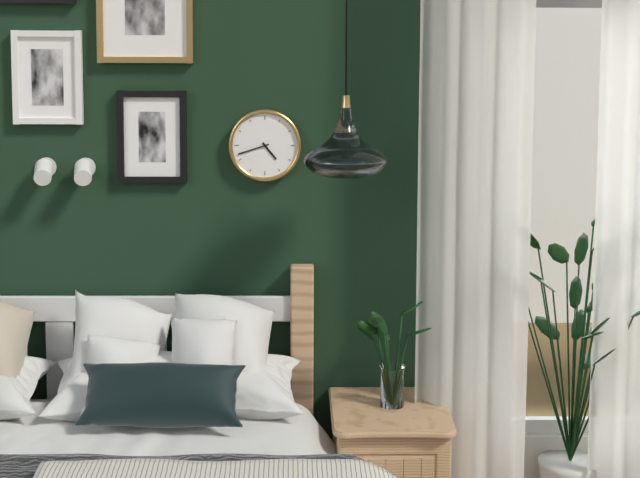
4:42
